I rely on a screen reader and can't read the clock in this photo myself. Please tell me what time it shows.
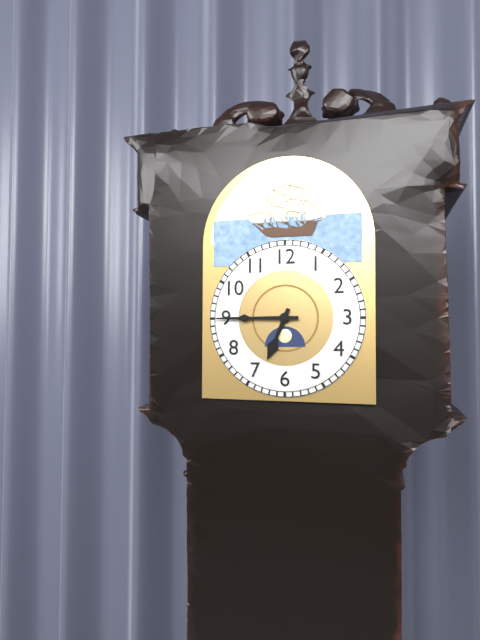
6:45
